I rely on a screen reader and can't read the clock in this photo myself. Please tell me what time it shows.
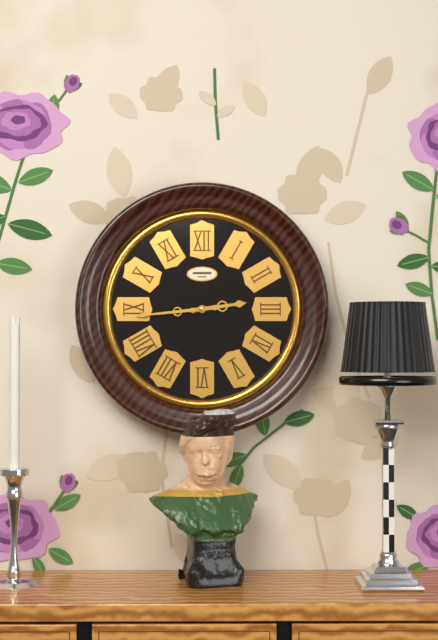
2:44
